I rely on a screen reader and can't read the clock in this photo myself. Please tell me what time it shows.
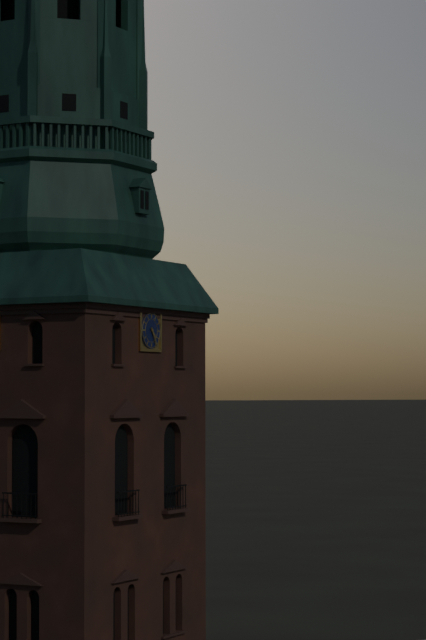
4:25
